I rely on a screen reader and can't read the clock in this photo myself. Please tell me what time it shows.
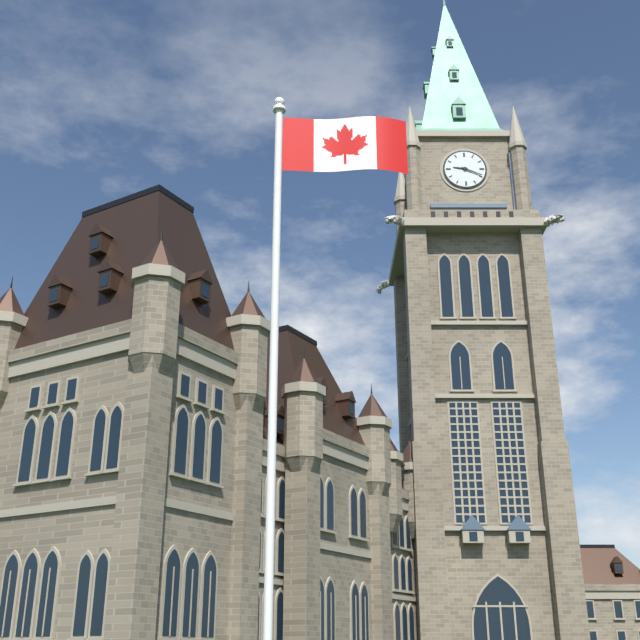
9:19
